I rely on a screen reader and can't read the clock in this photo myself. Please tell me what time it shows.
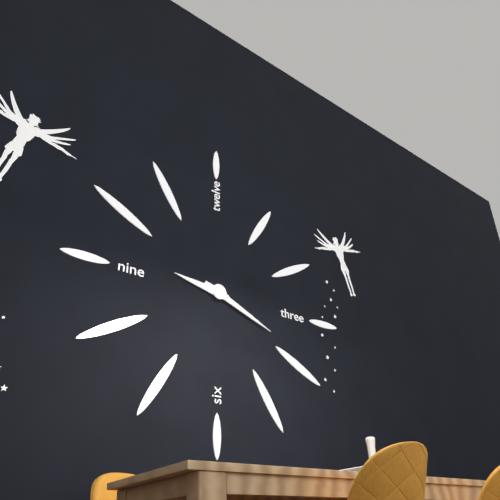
9:19
